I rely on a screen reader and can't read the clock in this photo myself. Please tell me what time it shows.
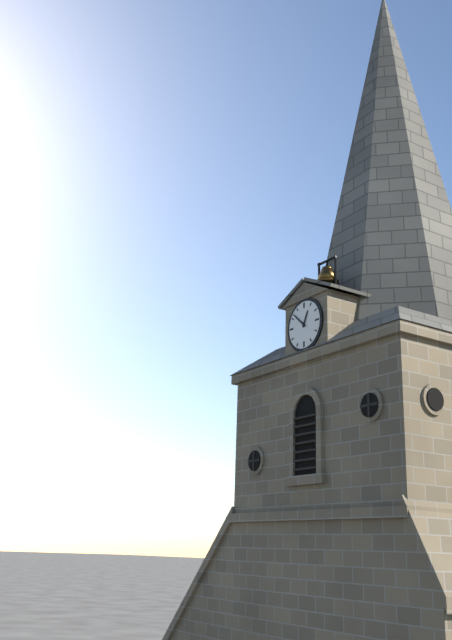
12:52
